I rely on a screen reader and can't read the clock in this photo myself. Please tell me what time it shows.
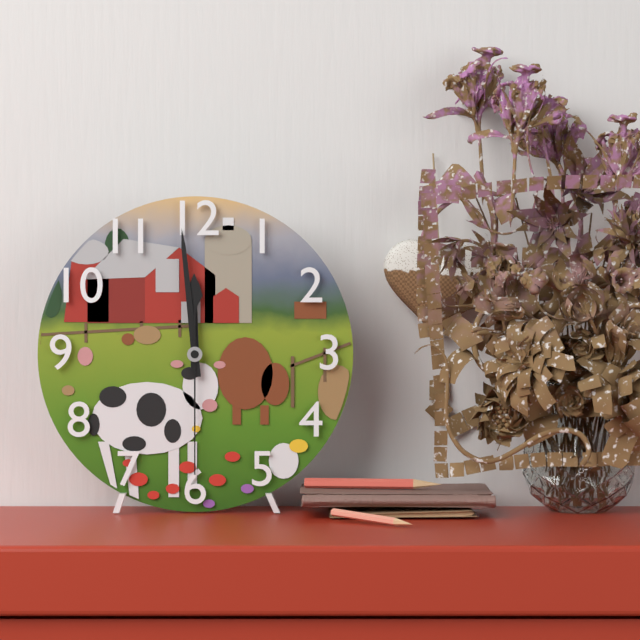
11:59:30
